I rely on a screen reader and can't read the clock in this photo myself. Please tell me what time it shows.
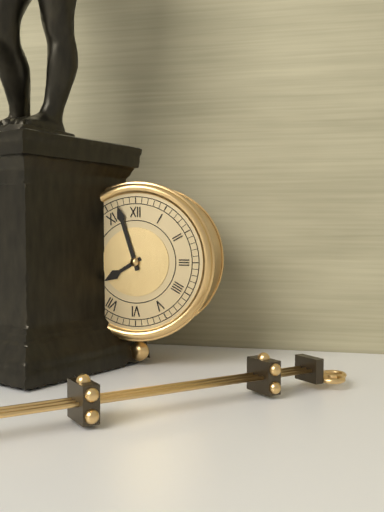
7:57
